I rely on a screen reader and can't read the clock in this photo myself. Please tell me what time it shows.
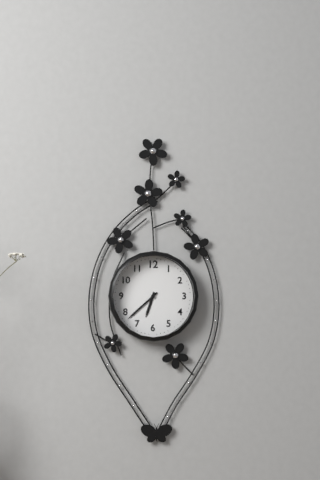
6:38
